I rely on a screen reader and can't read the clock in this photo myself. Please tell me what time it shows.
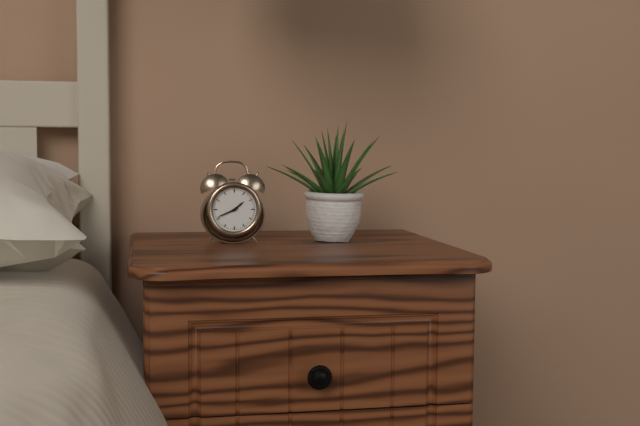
1:41
